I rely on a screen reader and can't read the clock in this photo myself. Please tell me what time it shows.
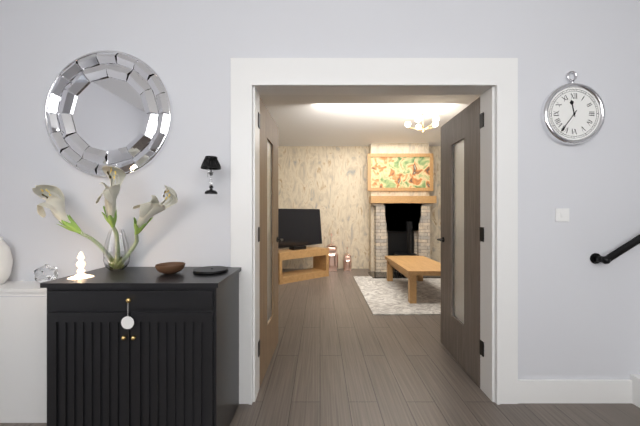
11:36
